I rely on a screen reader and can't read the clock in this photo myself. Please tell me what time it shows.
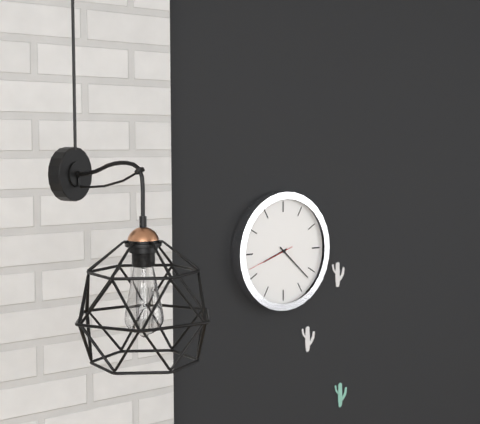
8:22
